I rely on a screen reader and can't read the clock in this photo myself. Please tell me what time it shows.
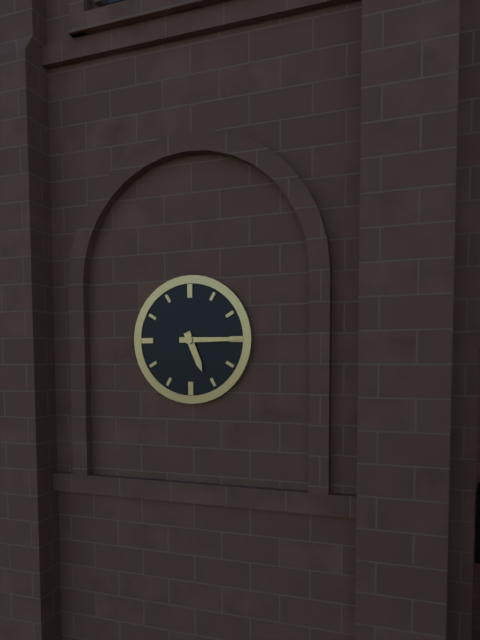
5:15
